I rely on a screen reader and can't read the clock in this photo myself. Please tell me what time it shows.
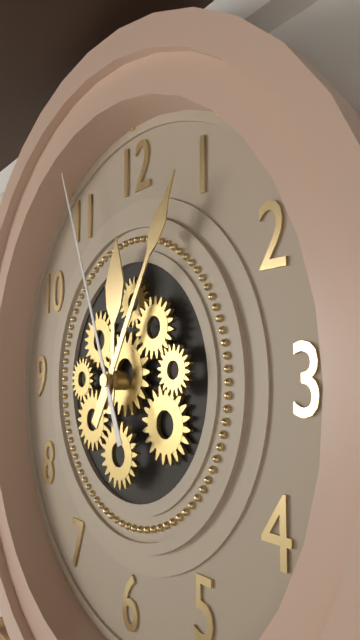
12:05:56
